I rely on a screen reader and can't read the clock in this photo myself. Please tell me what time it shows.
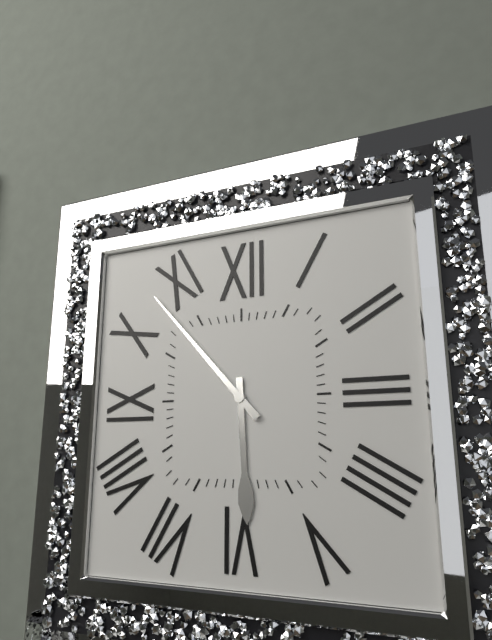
5:53
